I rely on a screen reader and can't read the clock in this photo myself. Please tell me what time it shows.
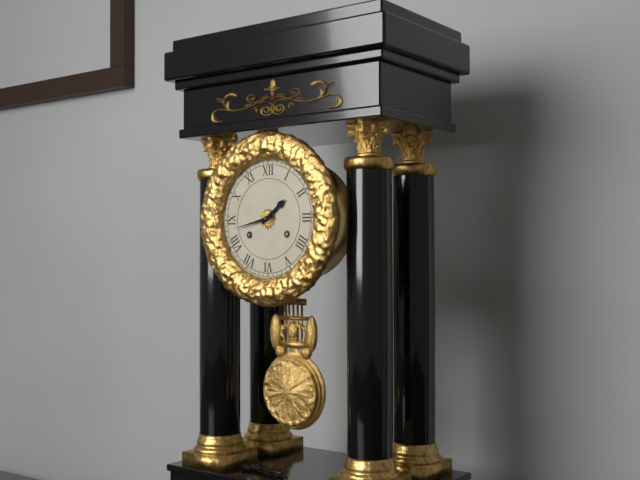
1:43
